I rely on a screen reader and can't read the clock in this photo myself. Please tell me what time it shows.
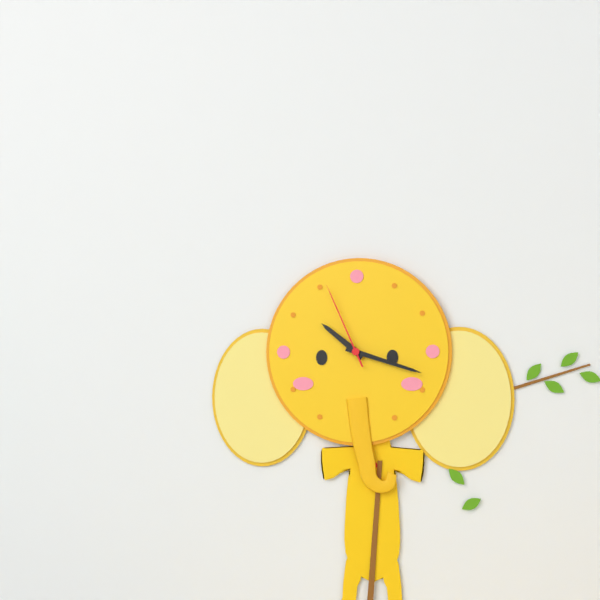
10:18:56
